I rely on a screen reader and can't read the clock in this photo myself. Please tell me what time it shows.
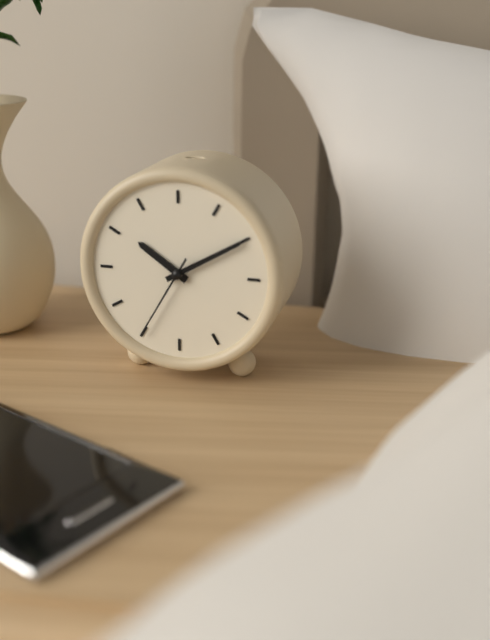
10:10:35
